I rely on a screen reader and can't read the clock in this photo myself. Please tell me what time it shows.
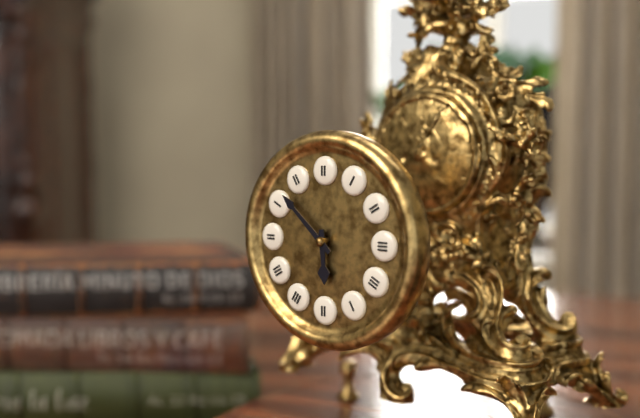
5:52
